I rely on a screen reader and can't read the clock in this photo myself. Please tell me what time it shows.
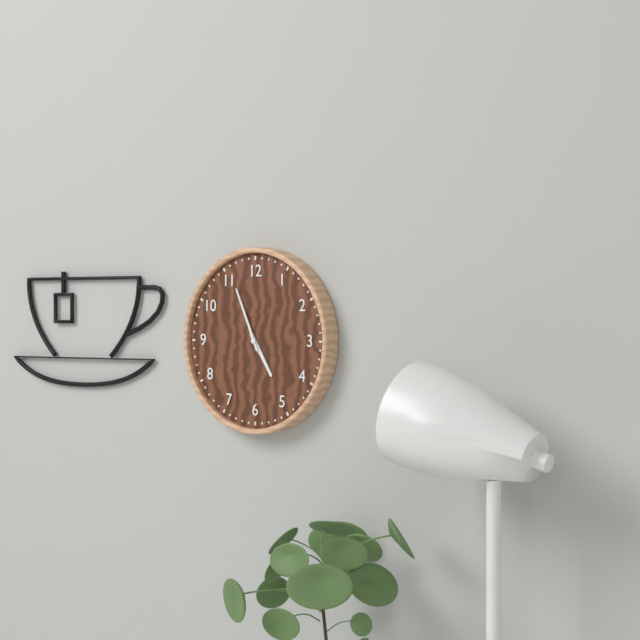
4:56
